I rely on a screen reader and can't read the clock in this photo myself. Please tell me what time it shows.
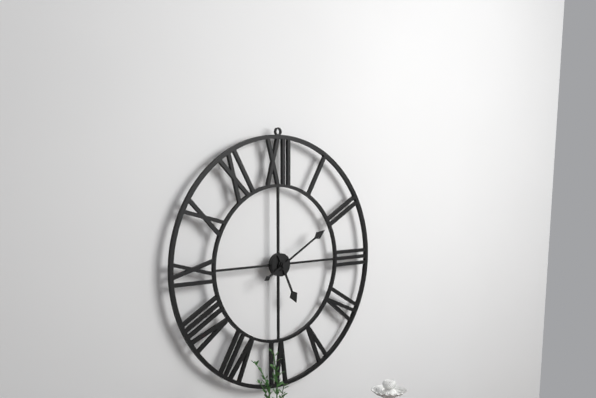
5:10
